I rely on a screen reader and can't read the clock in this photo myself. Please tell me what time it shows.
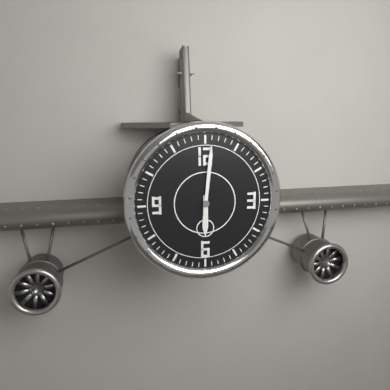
6:01
